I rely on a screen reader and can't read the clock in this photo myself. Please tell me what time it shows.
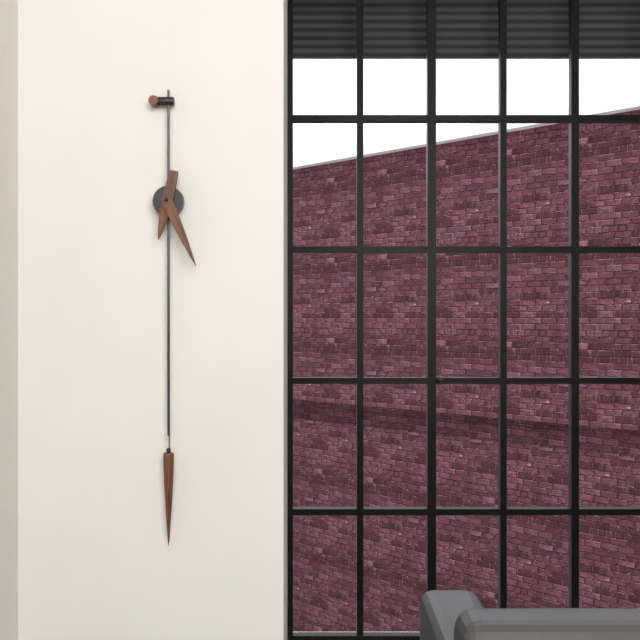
6:26
